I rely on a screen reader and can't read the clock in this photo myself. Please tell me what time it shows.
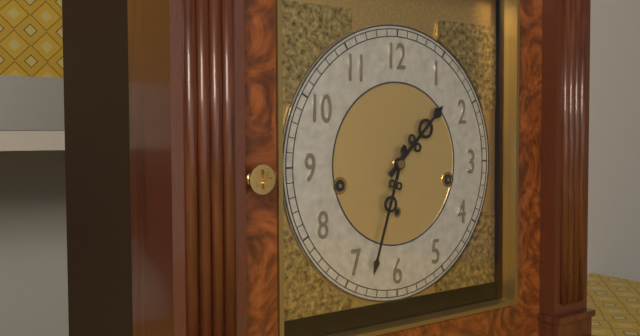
1:33
